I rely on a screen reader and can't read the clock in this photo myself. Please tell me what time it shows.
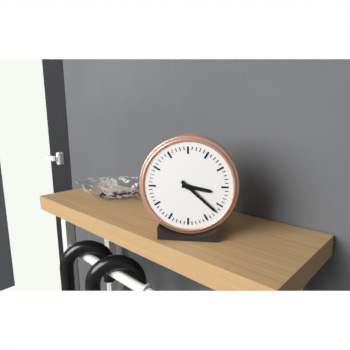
3:22
